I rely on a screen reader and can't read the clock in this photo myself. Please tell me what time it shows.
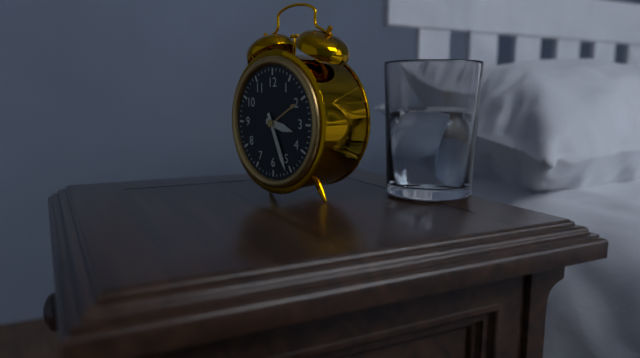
3:26
